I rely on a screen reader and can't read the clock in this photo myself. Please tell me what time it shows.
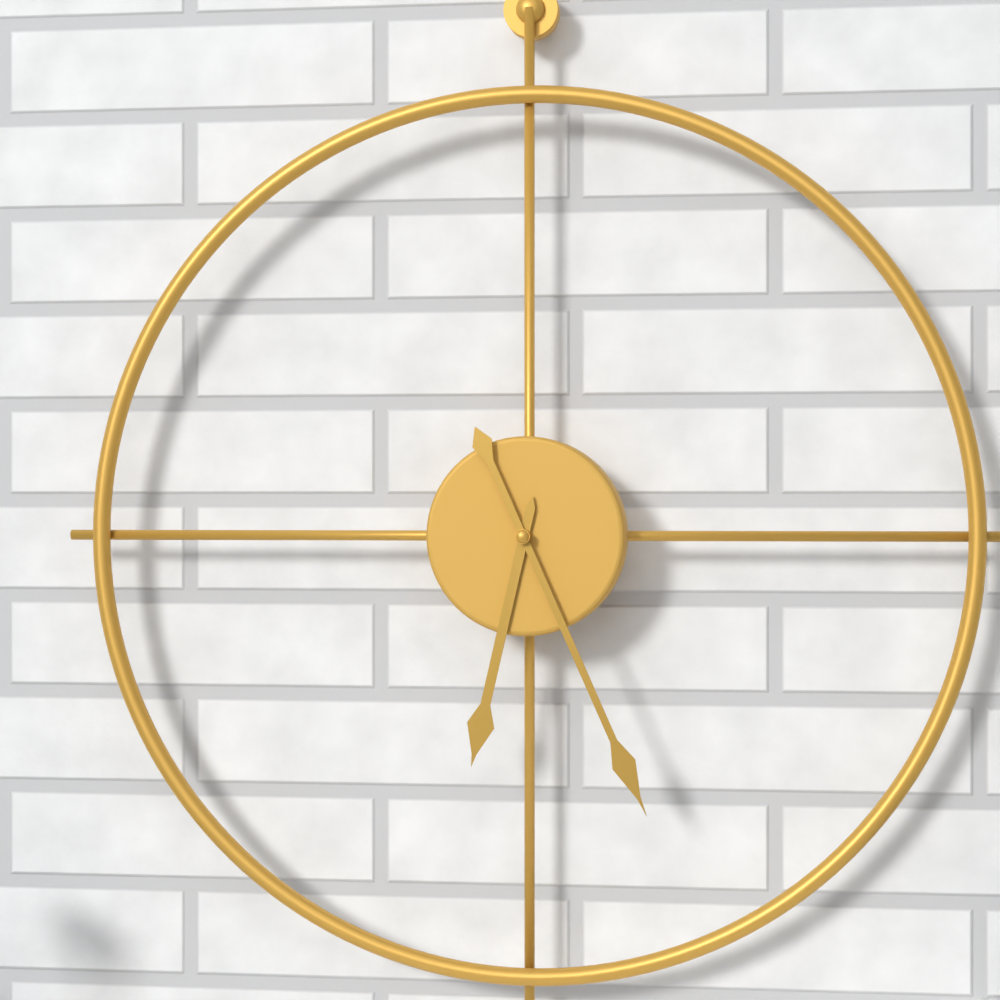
6:26
